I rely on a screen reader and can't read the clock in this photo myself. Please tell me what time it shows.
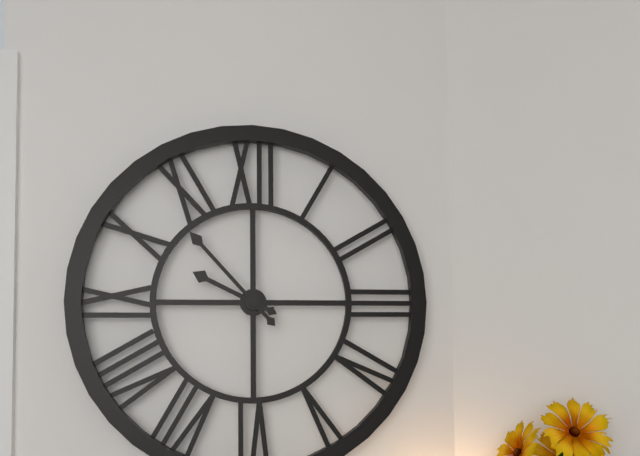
9:53
